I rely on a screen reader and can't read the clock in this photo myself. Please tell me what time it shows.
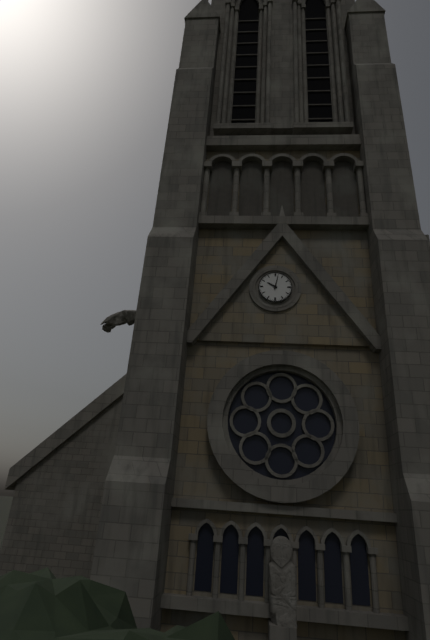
10:02
